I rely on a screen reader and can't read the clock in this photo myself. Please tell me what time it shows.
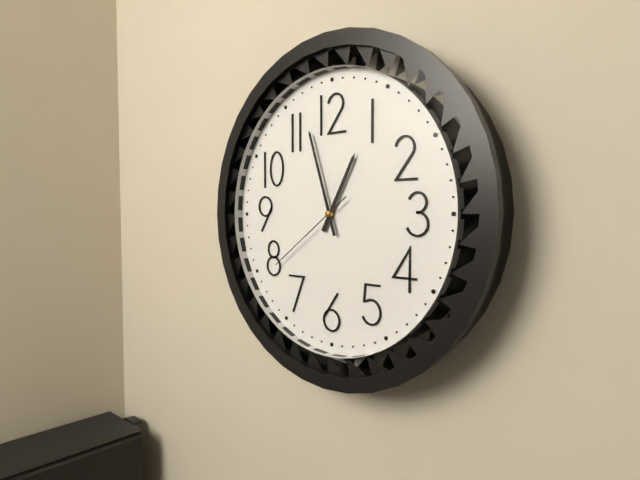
12:57:39
